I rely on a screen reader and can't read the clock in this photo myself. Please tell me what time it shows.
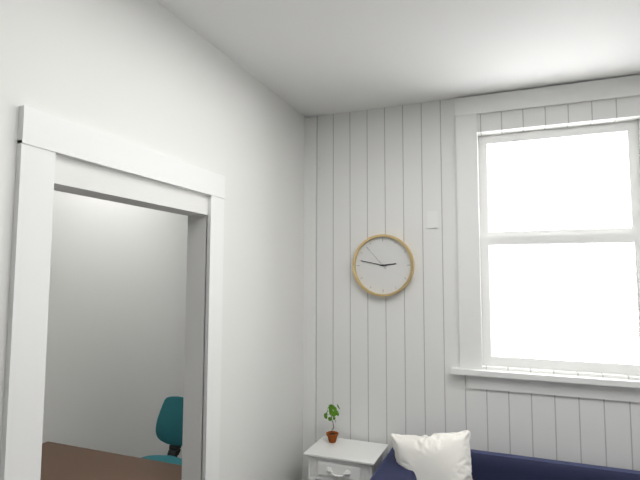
2:47
